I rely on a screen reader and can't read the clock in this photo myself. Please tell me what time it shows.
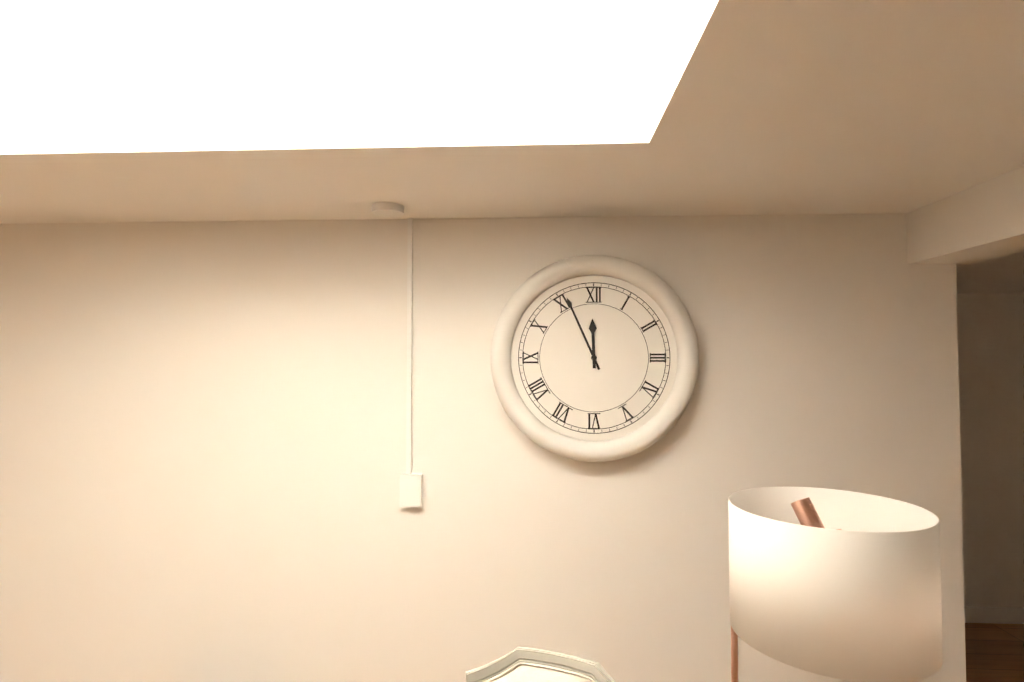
11:56
